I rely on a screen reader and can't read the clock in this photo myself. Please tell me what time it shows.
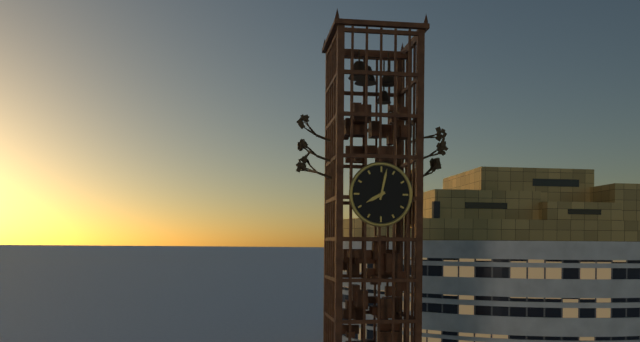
8:02
